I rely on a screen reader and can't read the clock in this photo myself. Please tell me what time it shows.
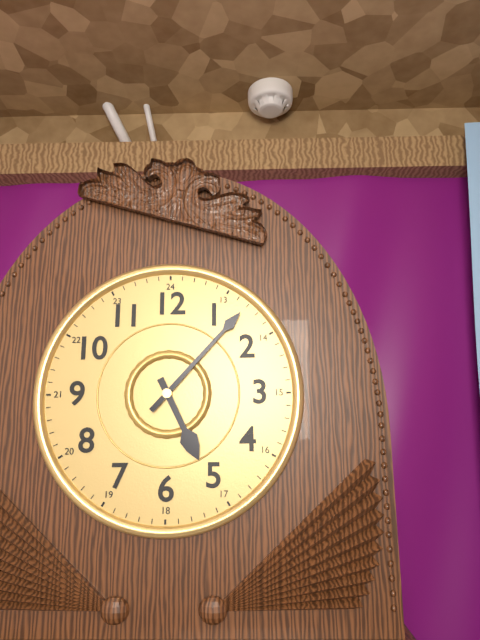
5:07
